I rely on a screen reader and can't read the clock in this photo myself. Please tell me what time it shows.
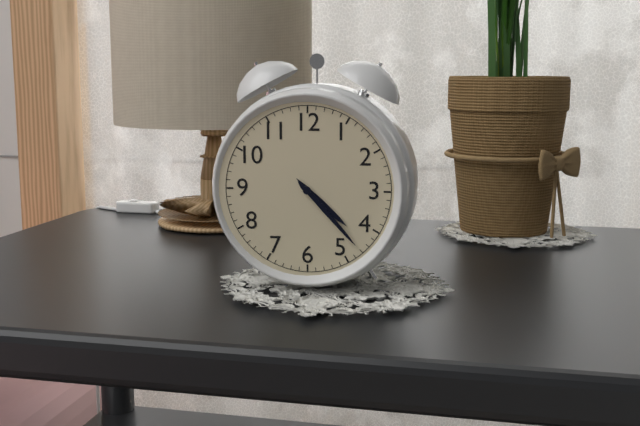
4:23
